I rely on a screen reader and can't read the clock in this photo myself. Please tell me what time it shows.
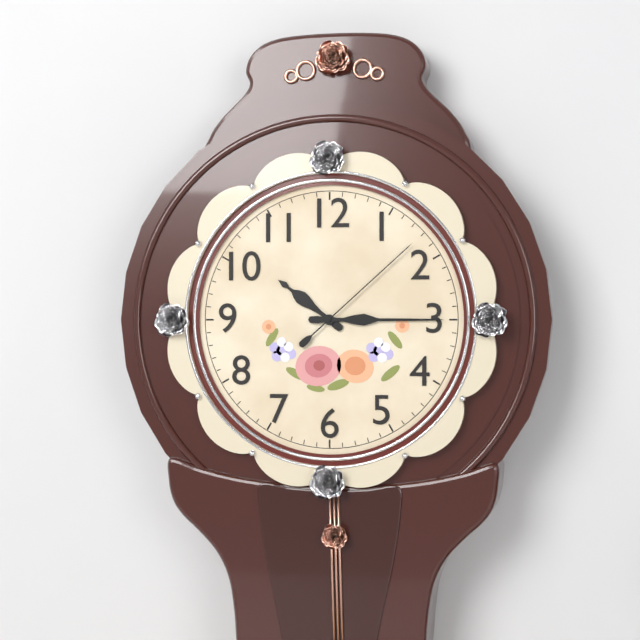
10:15:08
